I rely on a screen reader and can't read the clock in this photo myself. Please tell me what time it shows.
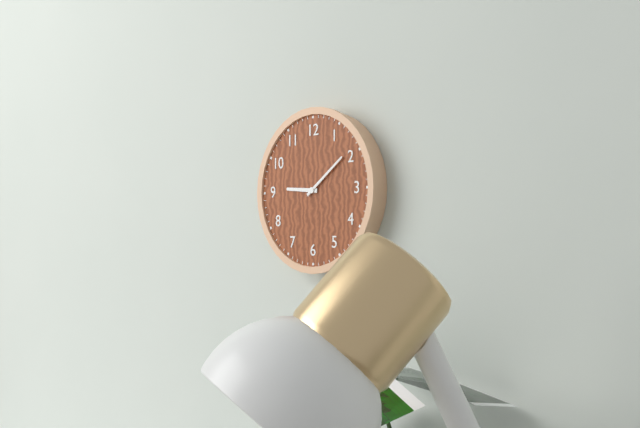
9:09
